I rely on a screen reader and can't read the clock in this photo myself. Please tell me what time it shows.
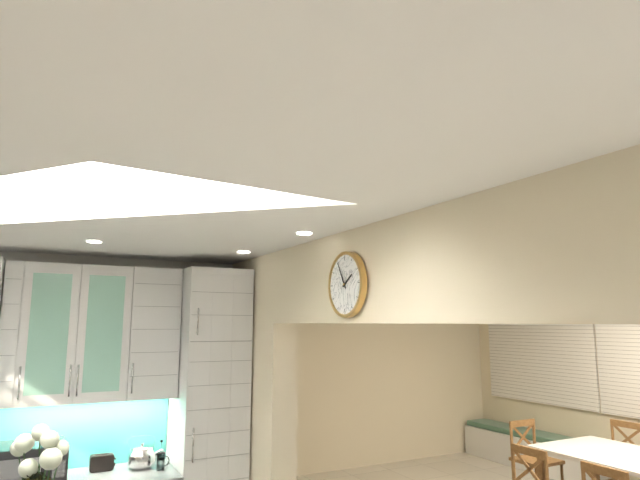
1:55
